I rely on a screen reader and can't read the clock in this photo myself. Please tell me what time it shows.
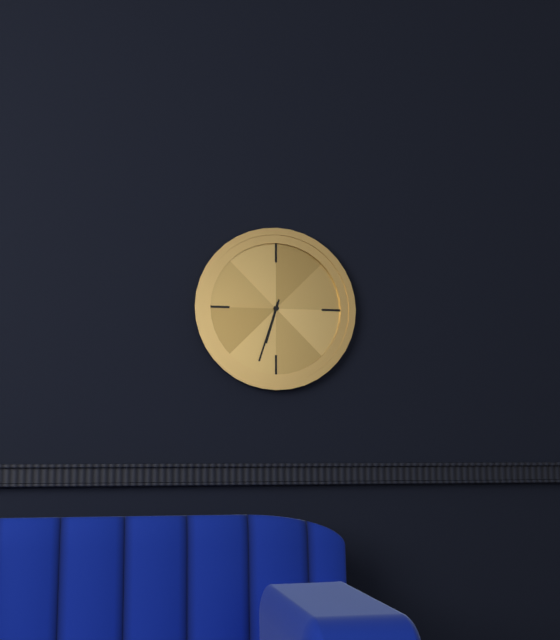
6:33
